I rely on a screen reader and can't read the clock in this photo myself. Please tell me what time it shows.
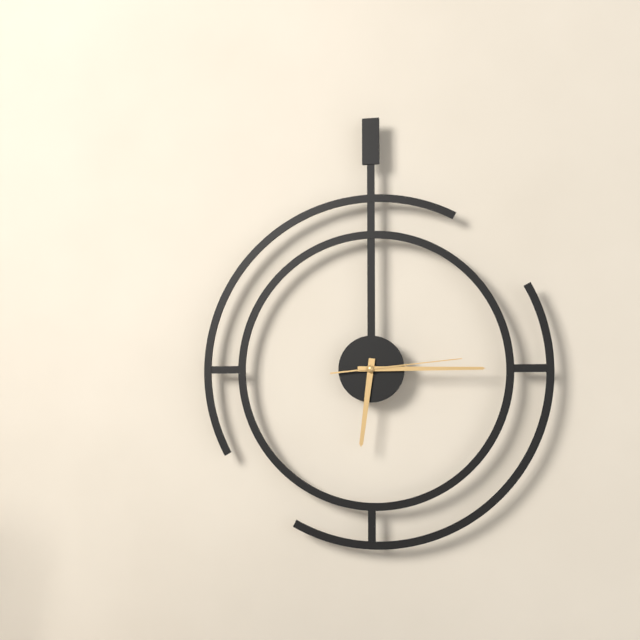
6:15:14
